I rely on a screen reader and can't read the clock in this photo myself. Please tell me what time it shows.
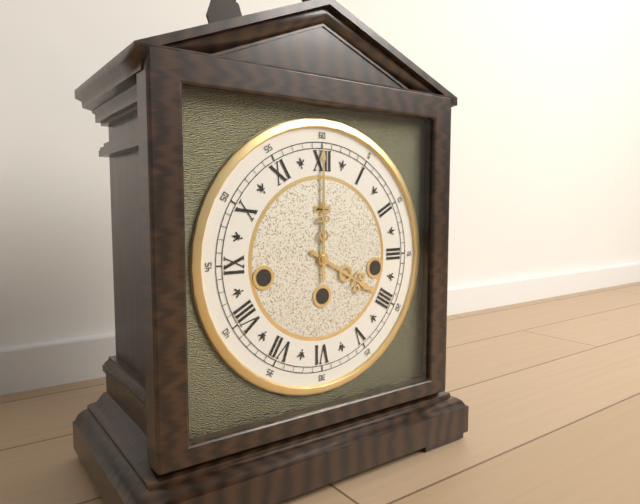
4:00
